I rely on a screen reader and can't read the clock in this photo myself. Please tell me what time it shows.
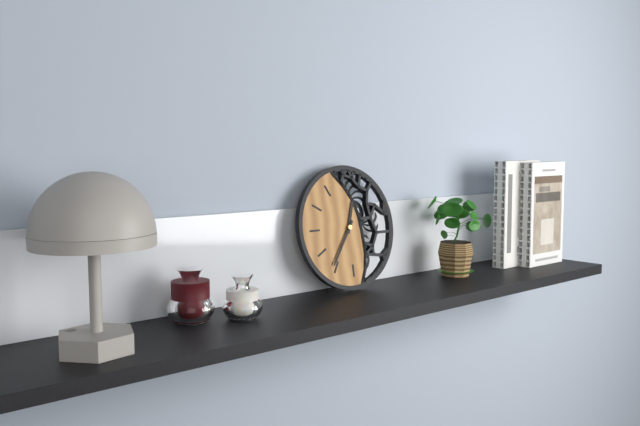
12:36
